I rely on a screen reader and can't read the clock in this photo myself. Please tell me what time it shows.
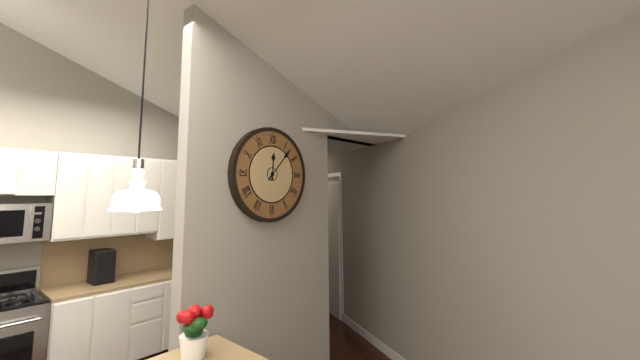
12:07
